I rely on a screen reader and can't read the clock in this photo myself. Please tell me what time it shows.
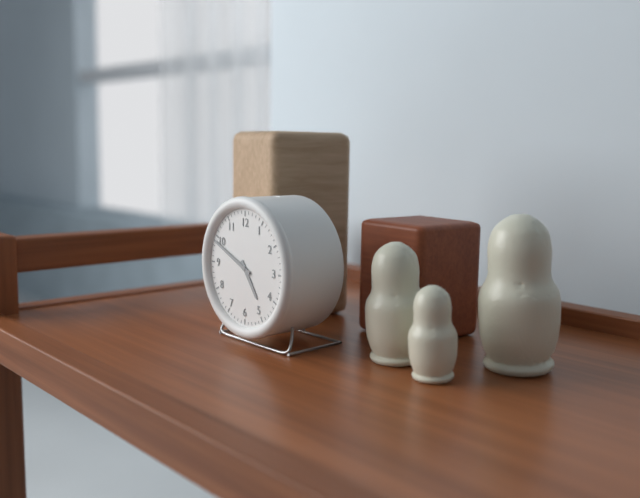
4:49
